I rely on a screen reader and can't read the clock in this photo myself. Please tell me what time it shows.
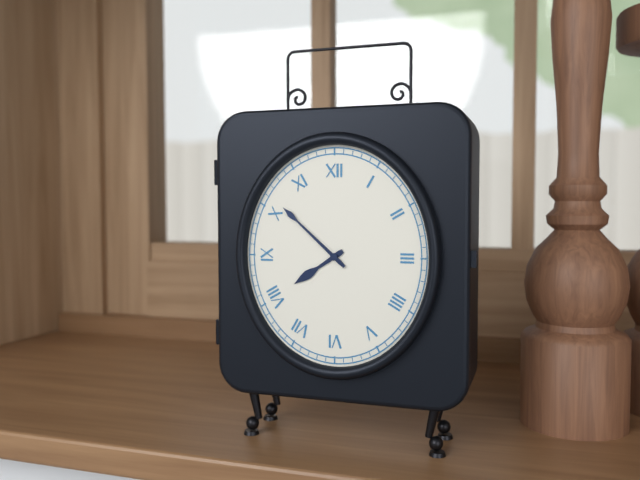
7:52
